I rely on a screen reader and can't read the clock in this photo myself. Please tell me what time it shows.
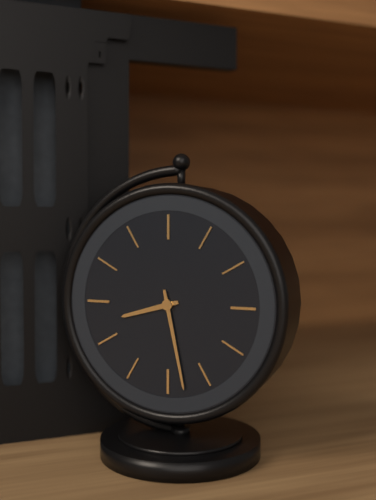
8:28
